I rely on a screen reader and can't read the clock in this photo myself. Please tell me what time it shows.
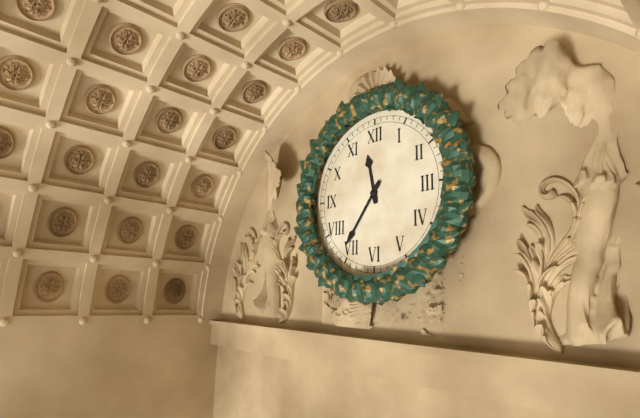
11:36
